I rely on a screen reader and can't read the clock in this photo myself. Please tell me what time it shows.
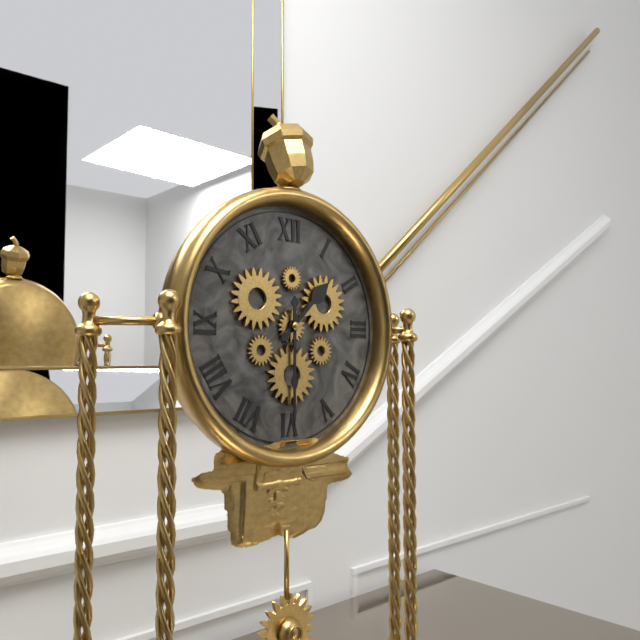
1:30
